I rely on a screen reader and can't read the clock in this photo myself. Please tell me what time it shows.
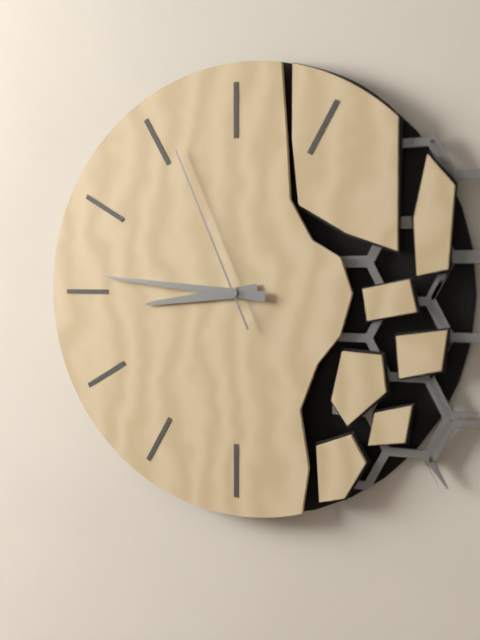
8:46:56
